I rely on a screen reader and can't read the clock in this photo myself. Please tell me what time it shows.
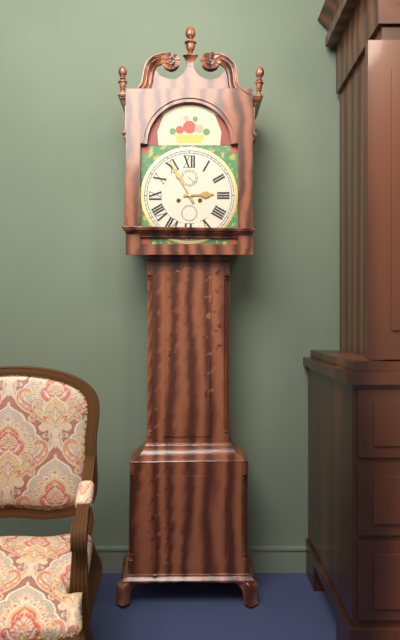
2:55
